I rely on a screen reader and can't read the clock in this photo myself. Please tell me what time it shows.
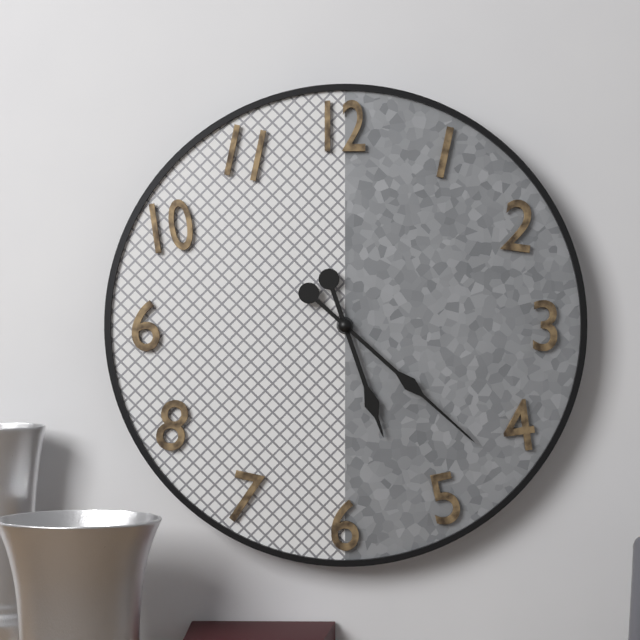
5:22
